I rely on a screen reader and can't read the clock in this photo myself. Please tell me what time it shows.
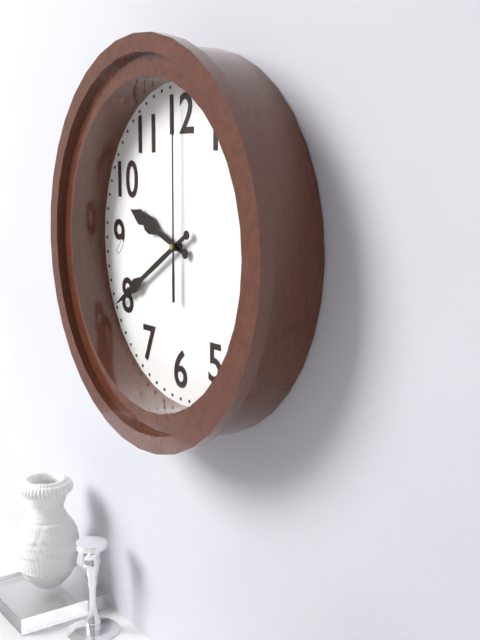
9:40:00
